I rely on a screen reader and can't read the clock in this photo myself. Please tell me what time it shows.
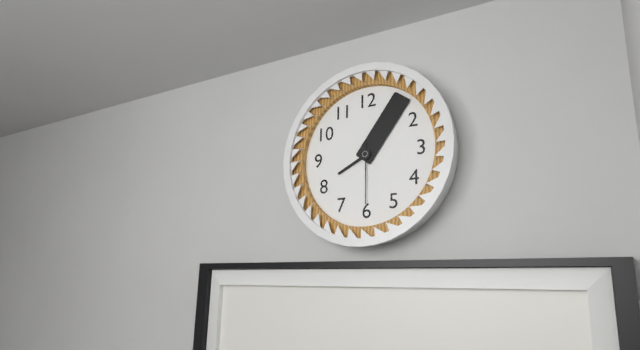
8:06:30
